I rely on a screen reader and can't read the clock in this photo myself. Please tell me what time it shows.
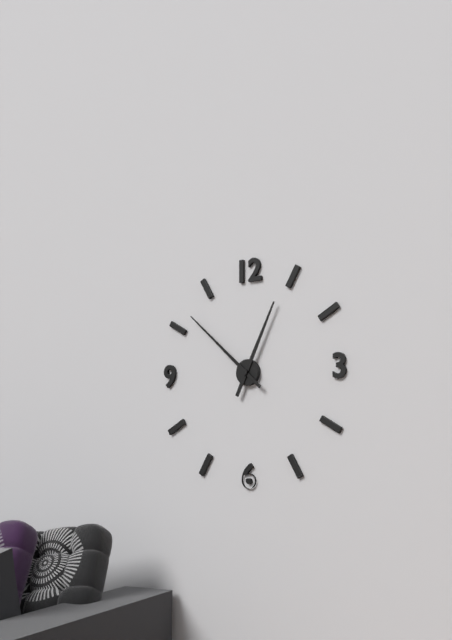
12:52
